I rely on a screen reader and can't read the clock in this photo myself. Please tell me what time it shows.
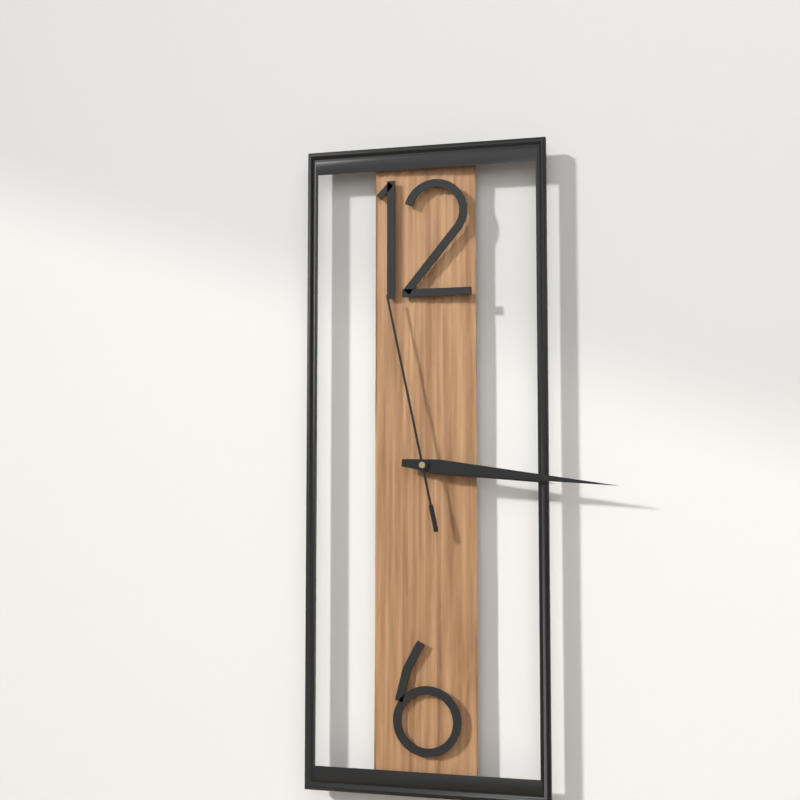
3:16:58
